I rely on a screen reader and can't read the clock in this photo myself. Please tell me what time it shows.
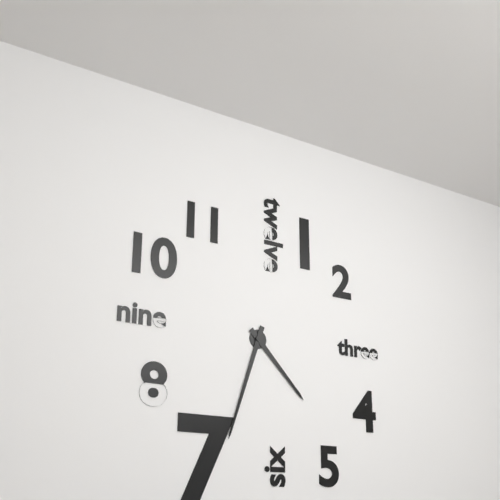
4:33
